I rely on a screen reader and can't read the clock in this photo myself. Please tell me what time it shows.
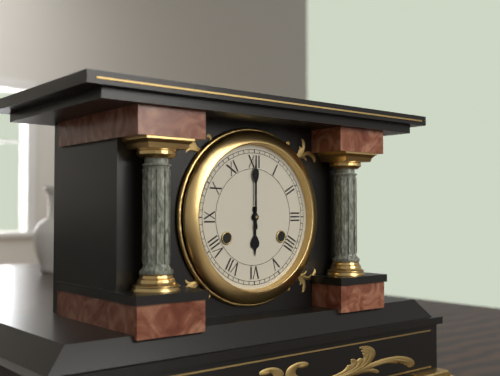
6:00
